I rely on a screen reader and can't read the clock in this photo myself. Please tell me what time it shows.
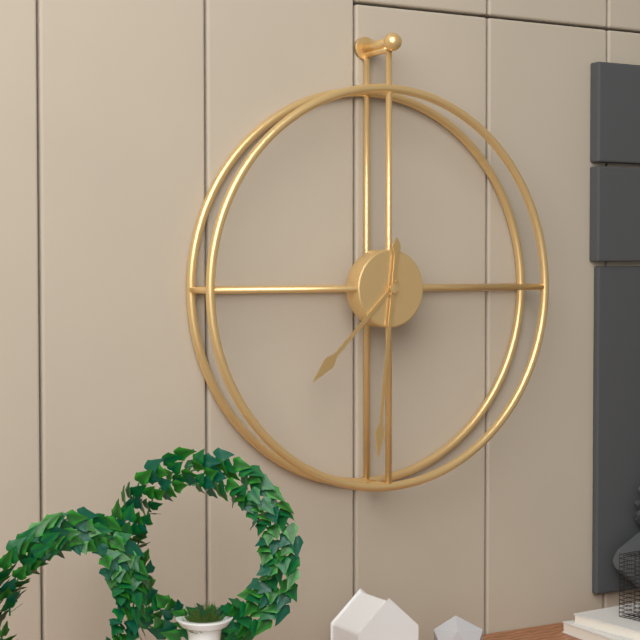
7:31
